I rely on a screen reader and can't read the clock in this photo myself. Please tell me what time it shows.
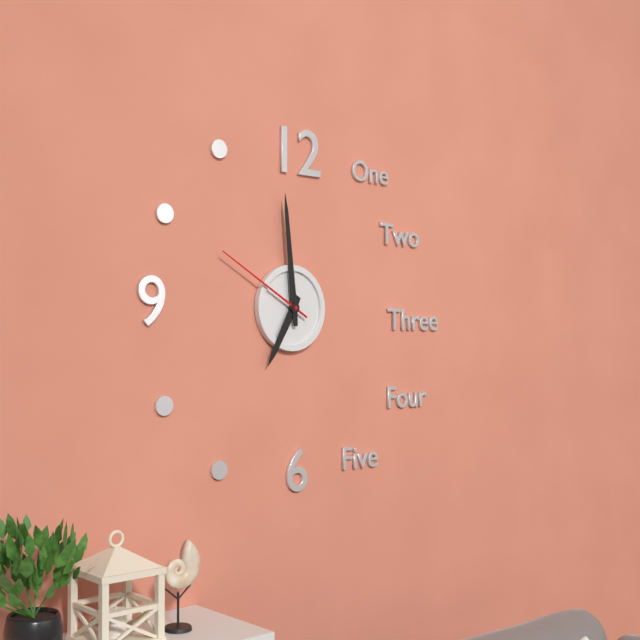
6:59:50
